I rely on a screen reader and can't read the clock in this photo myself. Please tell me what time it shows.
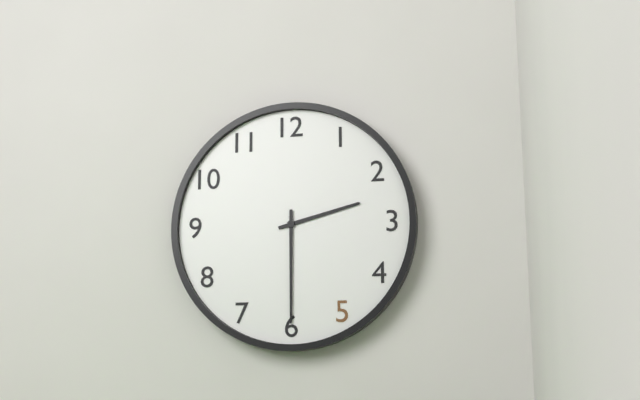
2:30
